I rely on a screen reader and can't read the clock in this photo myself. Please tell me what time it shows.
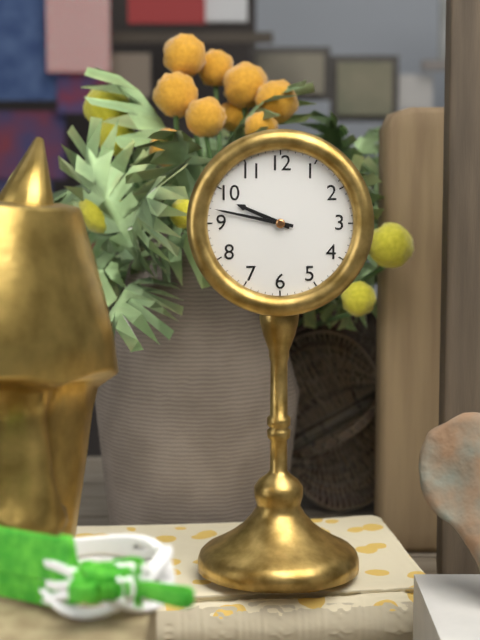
9:47
